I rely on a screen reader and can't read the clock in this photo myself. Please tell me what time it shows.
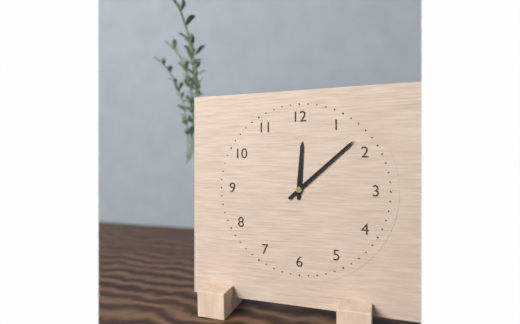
12:08
